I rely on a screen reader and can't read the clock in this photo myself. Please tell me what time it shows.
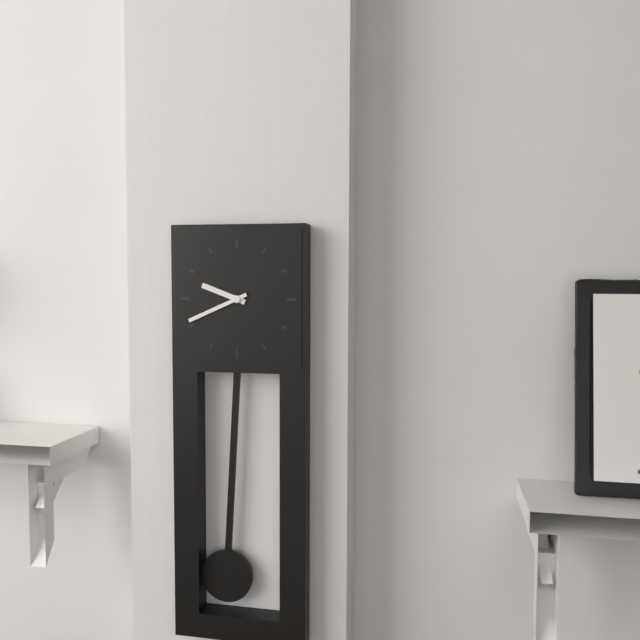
9:41
